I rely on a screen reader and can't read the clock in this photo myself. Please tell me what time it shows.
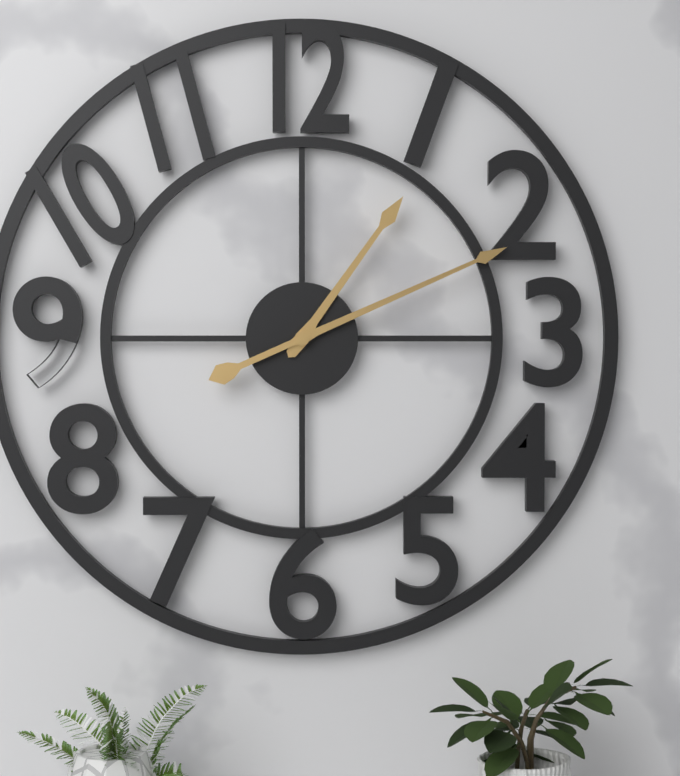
1:11
